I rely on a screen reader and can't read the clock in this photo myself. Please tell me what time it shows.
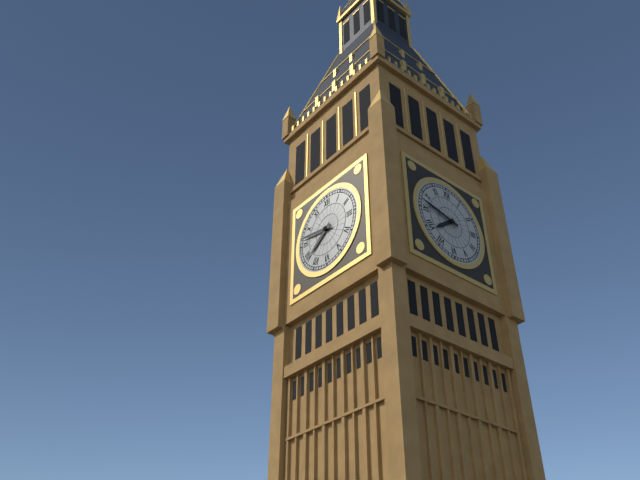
7:47
